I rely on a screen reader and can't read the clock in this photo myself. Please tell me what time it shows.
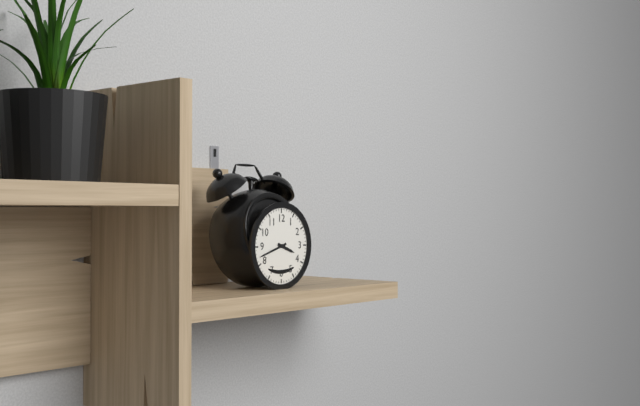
3:42
